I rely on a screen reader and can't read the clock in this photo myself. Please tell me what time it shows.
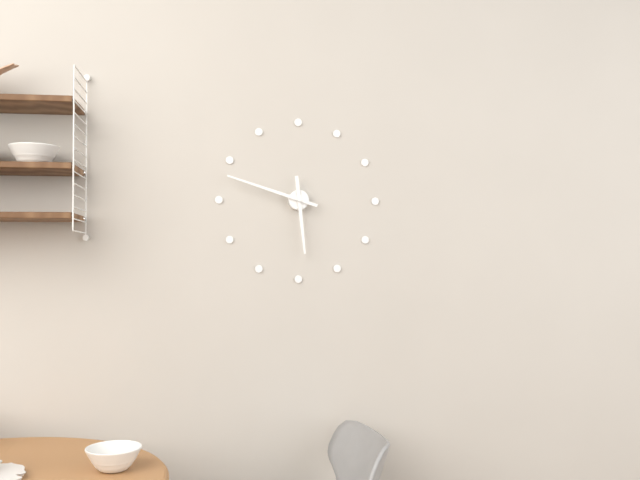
5:48
